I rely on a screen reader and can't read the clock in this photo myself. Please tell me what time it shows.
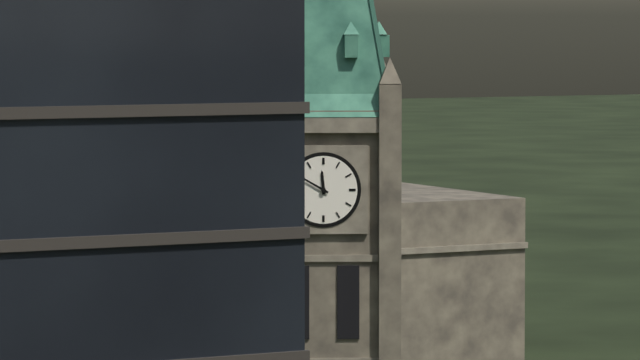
11:50
